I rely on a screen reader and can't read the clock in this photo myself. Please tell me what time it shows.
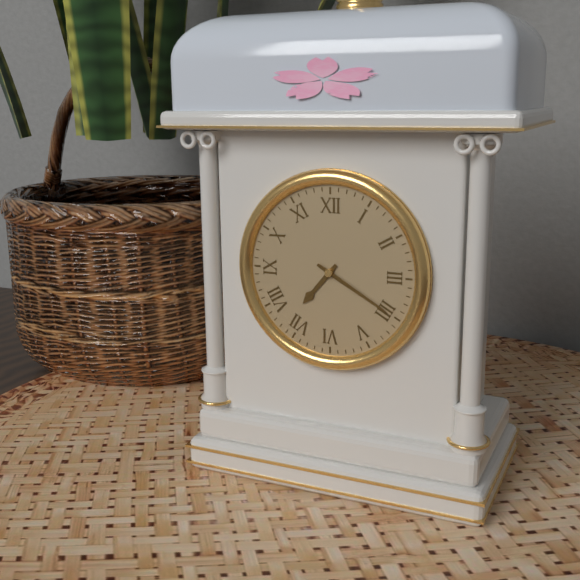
7:20
